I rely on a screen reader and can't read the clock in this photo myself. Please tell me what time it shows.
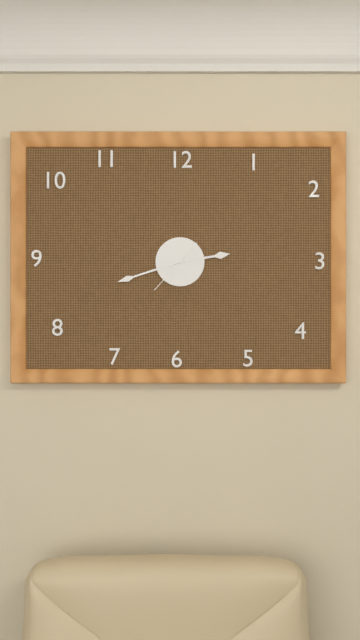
2:42
